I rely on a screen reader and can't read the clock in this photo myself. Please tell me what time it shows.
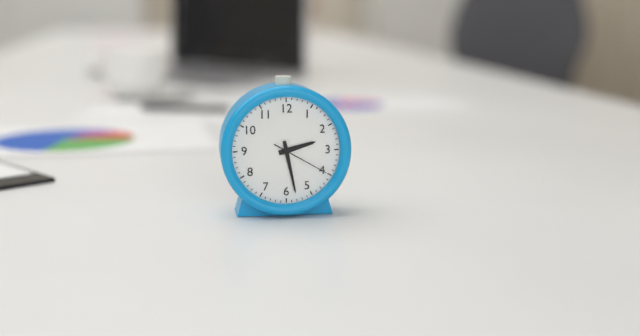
2:28:20
